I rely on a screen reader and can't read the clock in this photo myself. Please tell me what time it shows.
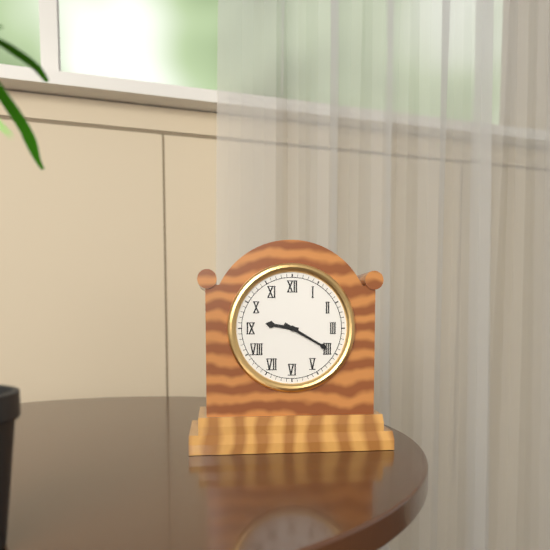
9:20
